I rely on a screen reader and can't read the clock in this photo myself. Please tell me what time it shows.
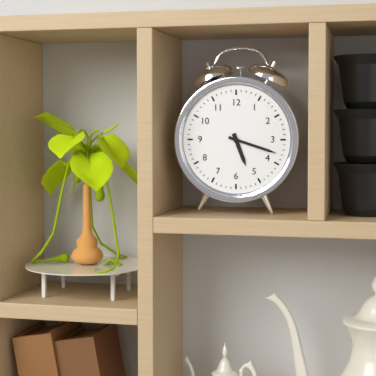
5:18
